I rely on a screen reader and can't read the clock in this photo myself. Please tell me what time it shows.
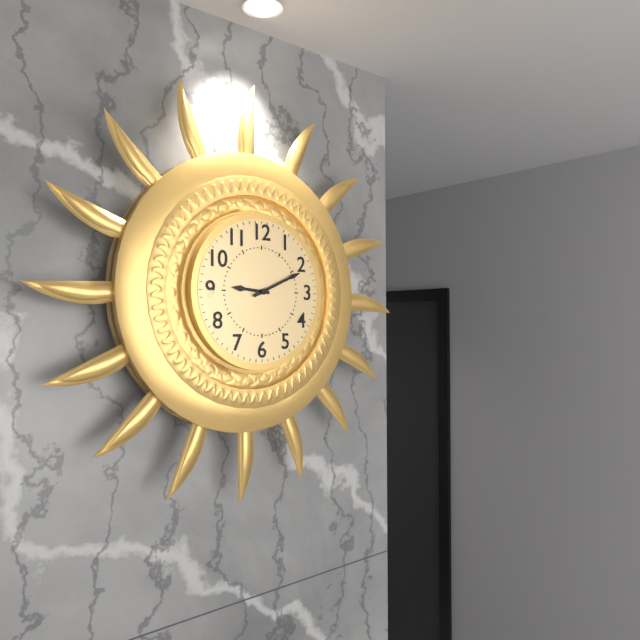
9:11
